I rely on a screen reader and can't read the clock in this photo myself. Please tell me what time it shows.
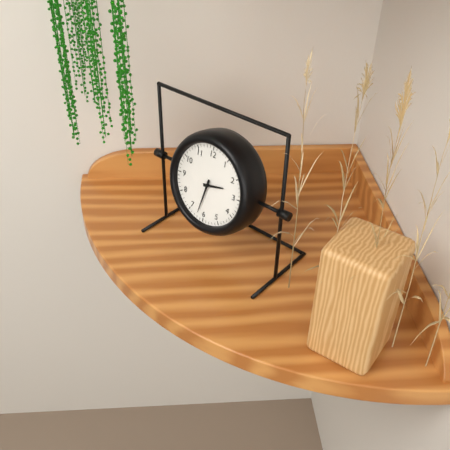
2:32
